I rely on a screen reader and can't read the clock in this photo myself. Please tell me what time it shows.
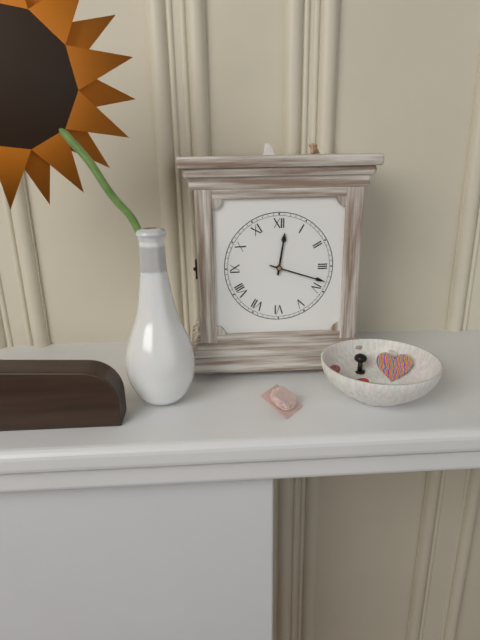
12:18
